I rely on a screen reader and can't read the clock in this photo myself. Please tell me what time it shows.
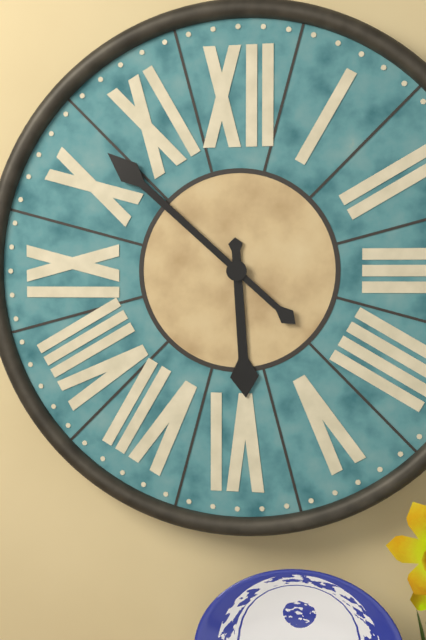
5:52
